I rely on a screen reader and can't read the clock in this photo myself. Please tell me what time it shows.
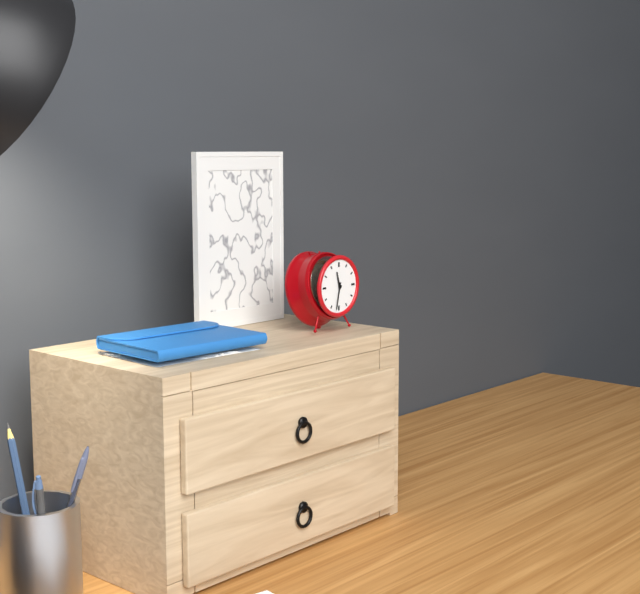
11:32
